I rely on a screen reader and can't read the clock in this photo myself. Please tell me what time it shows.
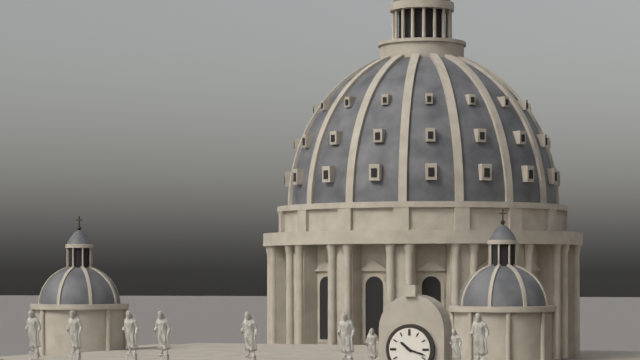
10:18
